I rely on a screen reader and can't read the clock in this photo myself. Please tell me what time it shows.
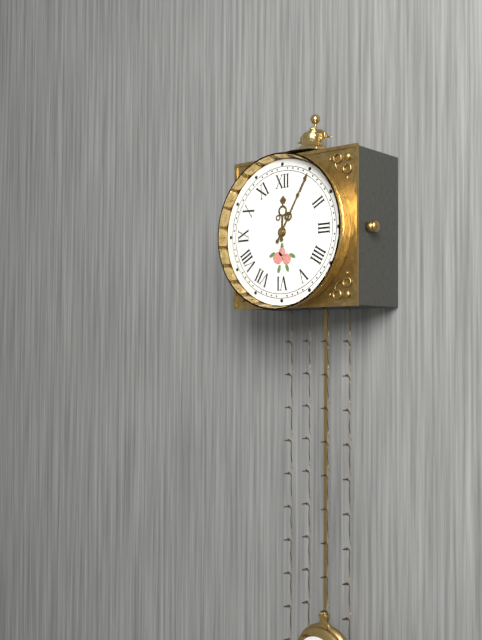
12:05
